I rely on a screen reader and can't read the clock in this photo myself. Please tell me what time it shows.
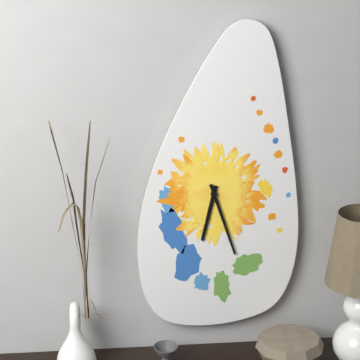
6:27
